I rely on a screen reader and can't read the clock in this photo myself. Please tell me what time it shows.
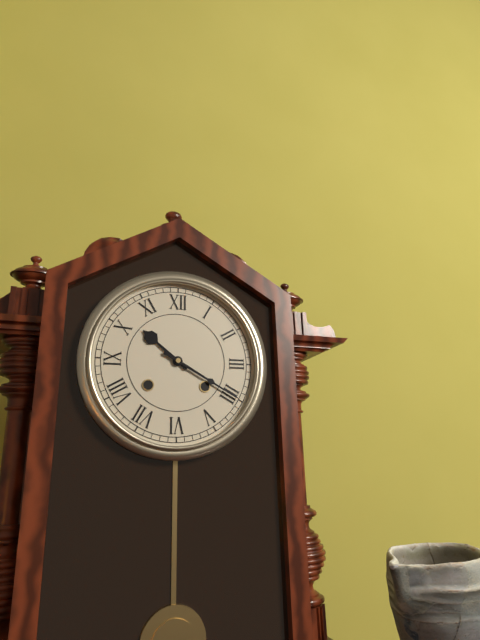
10:20
